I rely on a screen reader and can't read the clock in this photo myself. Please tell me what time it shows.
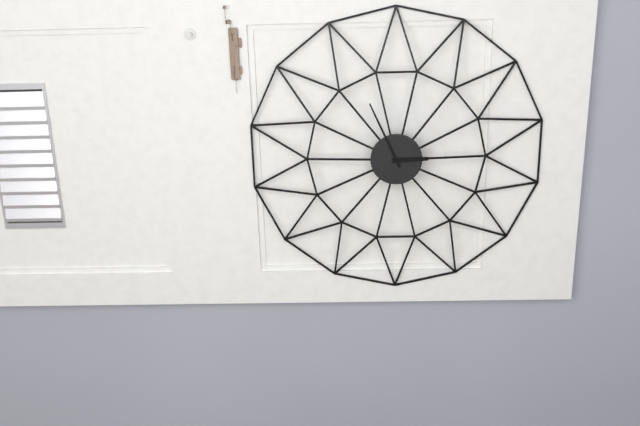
2:56
